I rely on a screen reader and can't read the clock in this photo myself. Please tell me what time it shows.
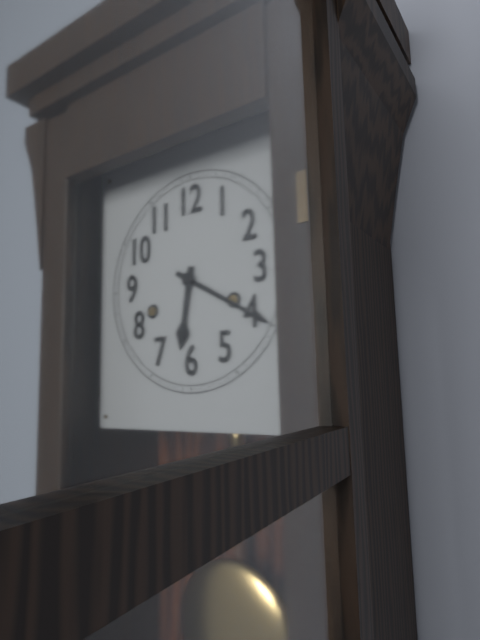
6:20
